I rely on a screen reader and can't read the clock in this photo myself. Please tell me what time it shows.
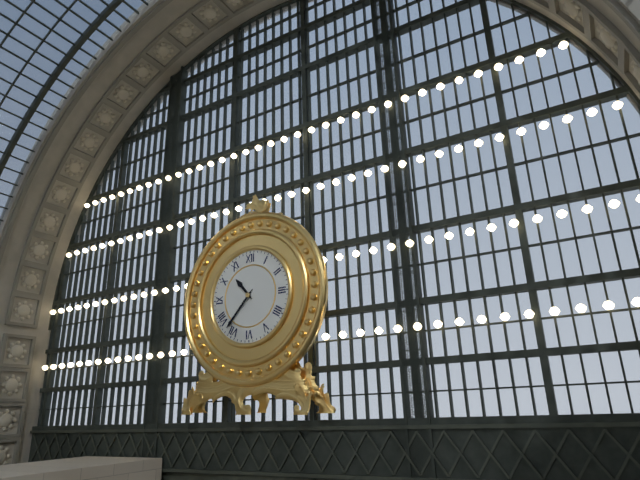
10:37
